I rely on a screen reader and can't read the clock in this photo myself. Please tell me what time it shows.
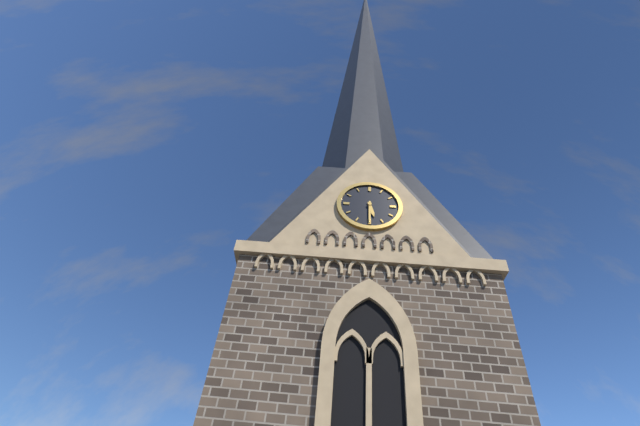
5:30
